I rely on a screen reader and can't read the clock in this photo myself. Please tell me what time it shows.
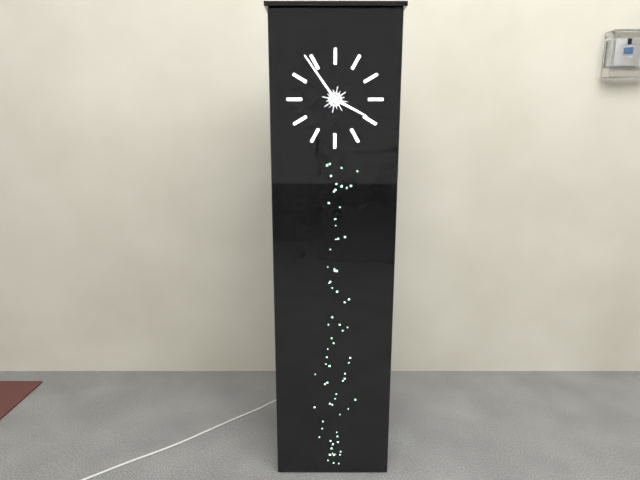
3:54
